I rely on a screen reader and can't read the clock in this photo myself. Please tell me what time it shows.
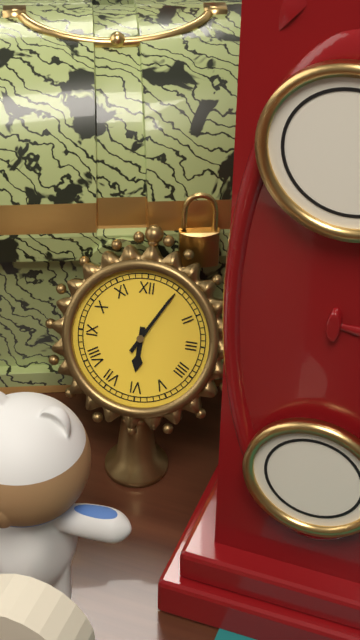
6:05
